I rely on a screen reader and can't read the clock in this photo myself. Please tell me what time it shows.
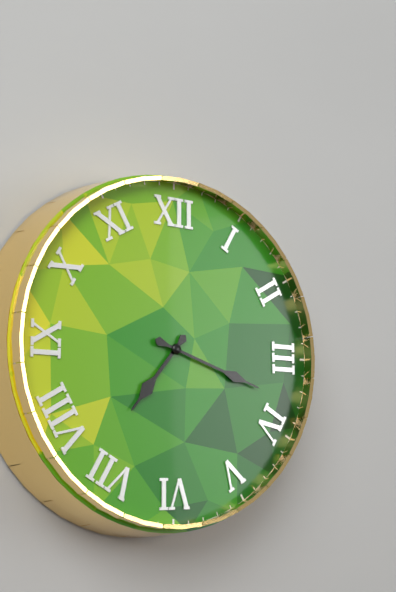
7:18
